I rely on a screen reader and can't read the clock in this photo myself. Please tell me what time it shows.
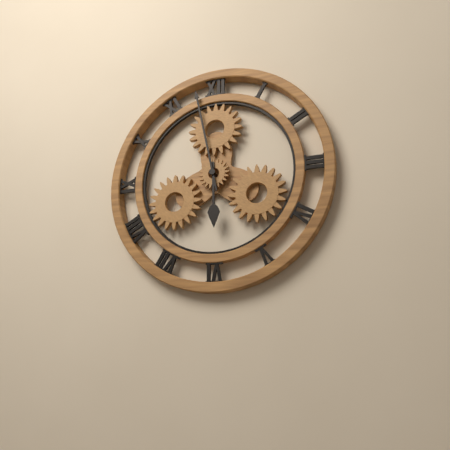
5:58
